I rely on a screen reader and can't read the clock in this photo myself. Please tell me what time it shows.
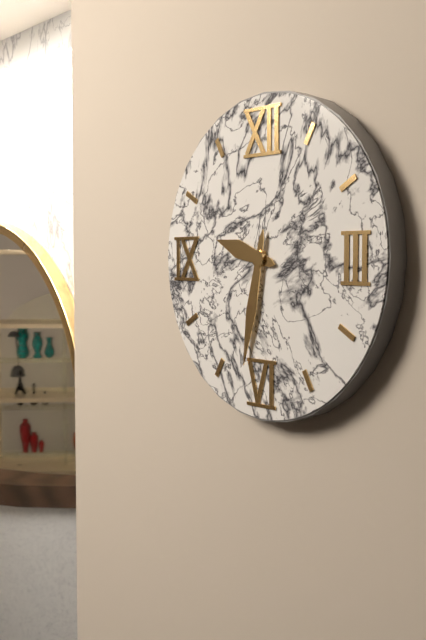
9:32
